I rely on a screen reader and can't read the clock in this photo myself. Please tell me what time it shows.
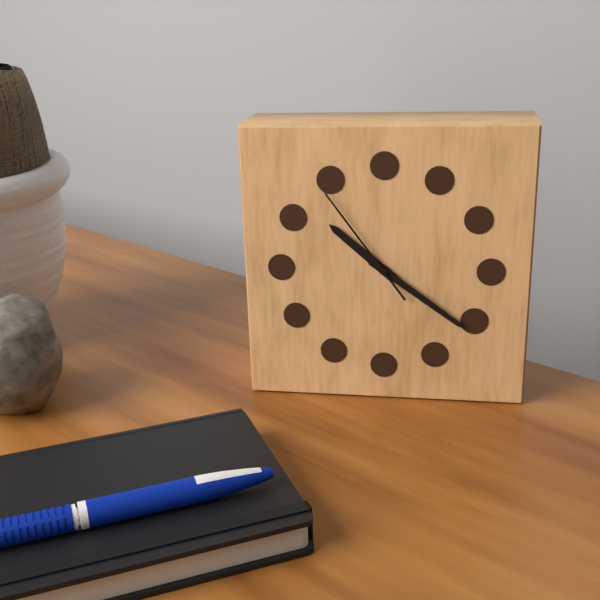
10:21:54
